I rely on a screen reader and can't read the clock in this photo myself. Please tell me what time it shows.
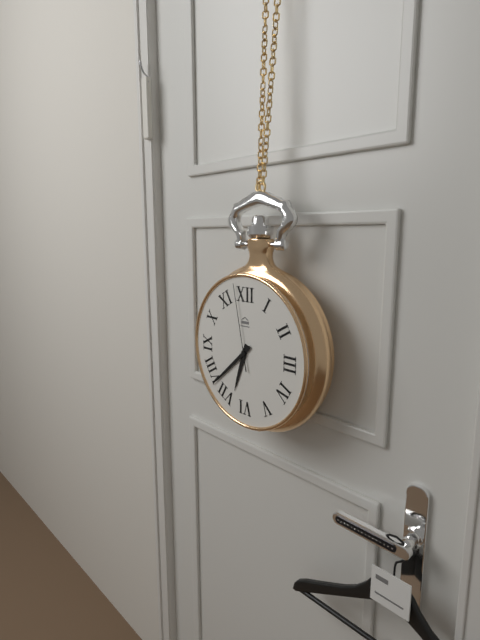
6:38:58
